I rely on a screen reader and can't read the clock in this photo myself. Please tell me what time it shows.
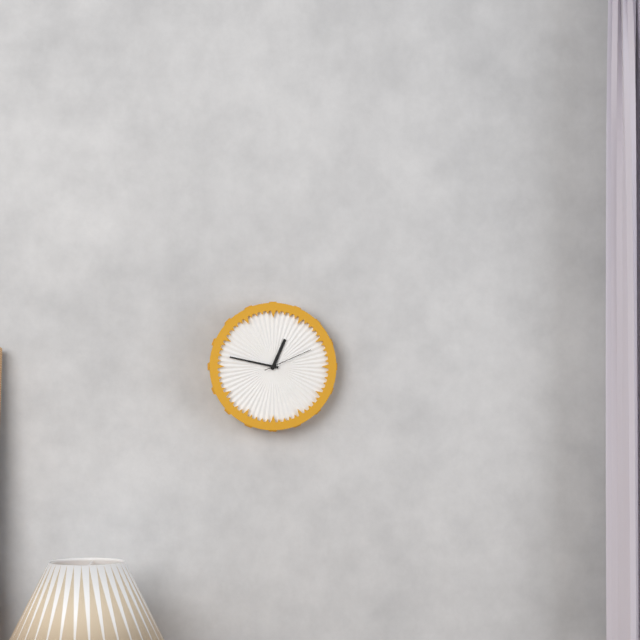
12:47:11
